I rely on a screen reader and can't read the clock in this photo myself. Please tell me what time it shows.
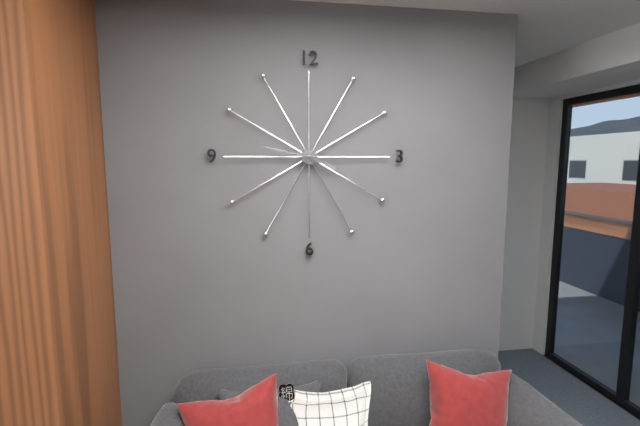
3:47
